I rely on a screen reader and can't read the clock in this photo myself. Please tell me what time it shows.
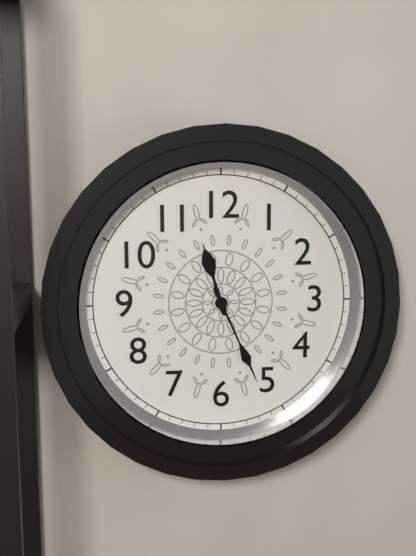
11:26
